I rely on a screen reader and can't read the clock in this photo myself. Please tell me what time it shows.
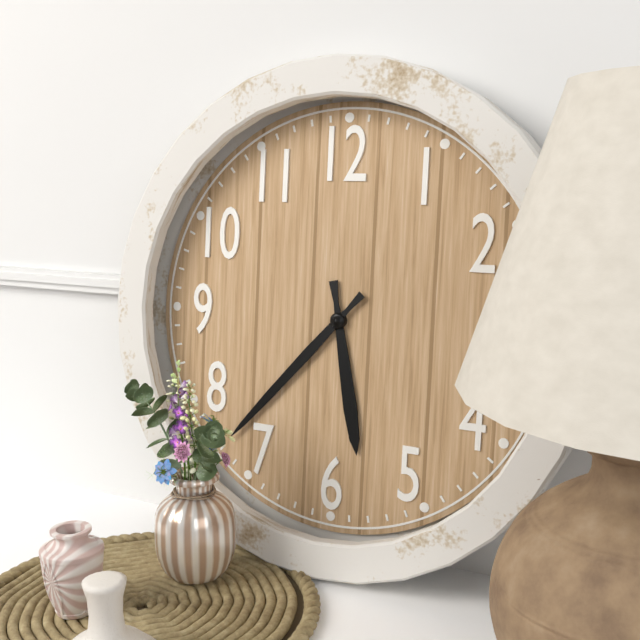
5:37
